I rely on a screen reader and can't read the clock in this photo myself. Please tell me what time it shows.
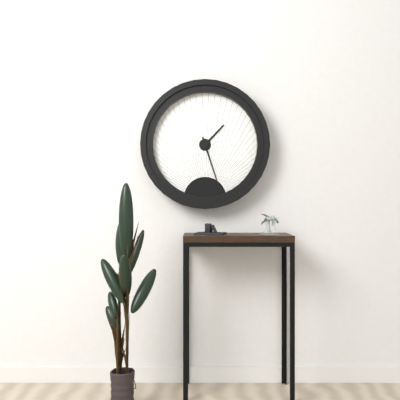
1:27
